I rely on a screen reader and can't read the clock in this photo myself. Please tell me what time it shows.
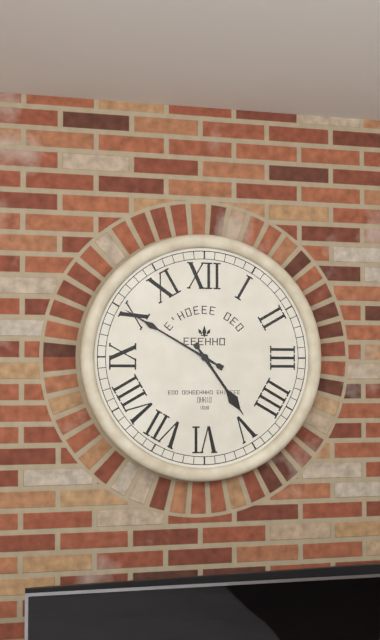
4:50
